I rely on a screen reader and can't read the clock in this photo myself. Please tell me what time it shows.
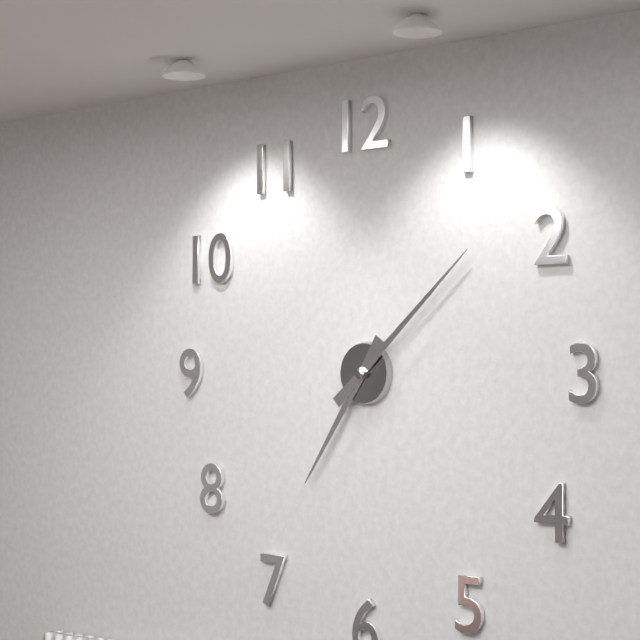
7:08
